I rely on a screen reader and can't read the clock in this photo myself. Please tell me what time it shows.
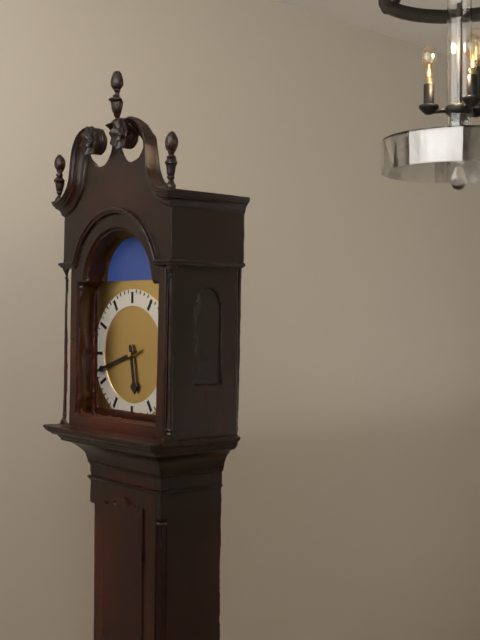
5:42
